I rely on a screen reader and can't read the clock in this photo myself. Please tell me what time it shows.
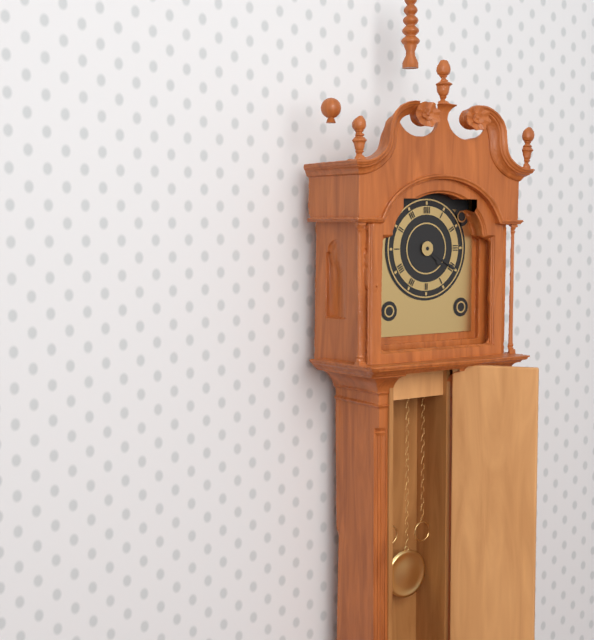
4:20
